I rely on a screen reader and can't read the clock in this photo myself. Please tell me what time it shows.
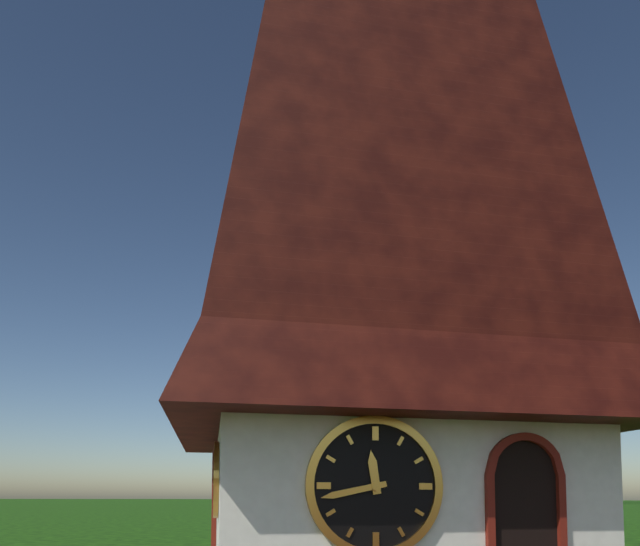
11:43
